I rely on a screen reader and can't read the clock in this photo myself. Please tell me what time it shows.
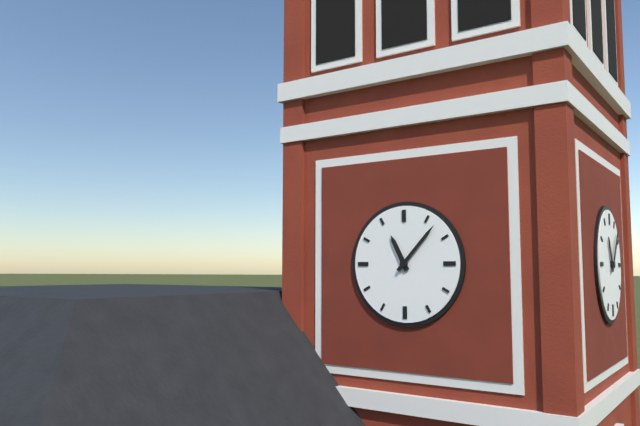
11:07
